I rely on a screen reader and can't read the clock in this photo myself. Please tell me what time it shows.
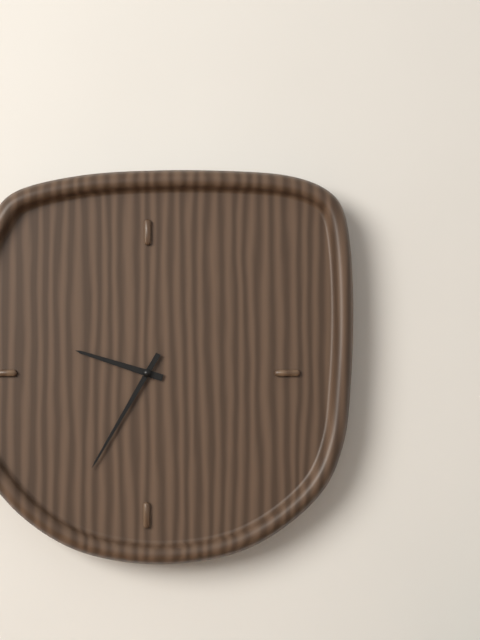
9:35
